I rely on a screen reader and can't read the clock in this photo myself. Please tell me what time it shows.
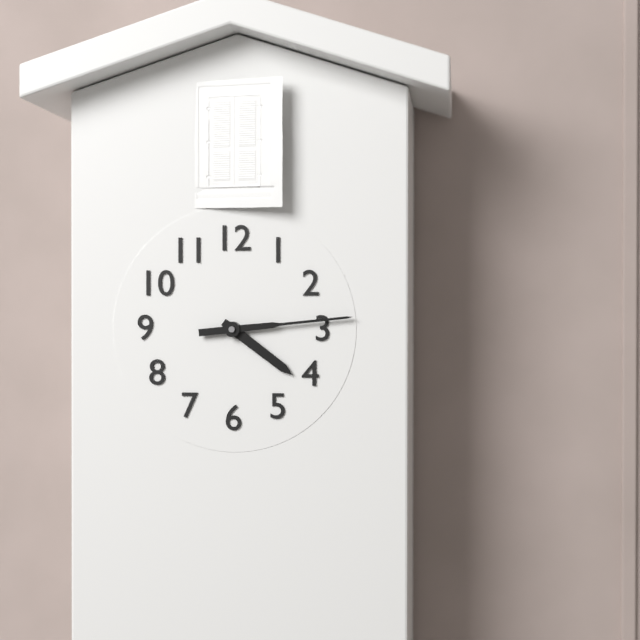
4:14
